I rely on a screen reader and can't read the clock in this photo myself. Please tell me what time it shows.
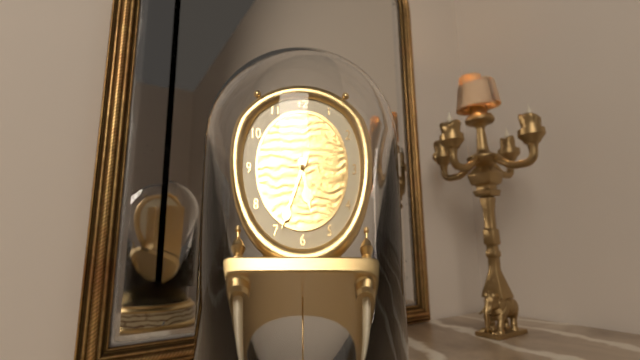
5:34
